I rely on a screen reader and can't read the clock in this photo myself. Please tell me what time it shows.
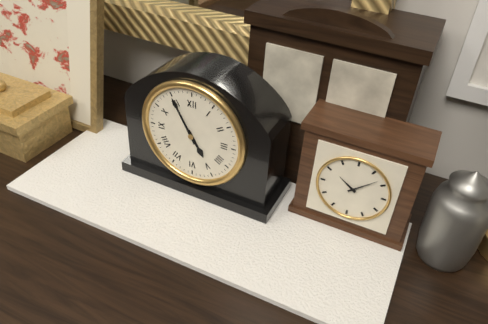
4:55
